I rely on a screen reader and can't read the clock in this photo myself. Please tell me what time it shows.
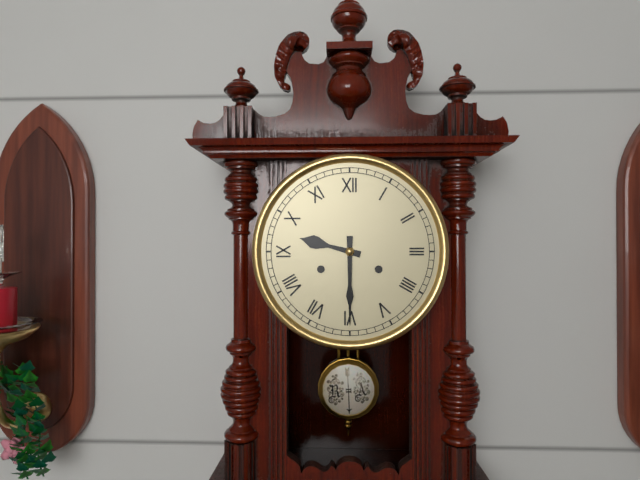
9:30
